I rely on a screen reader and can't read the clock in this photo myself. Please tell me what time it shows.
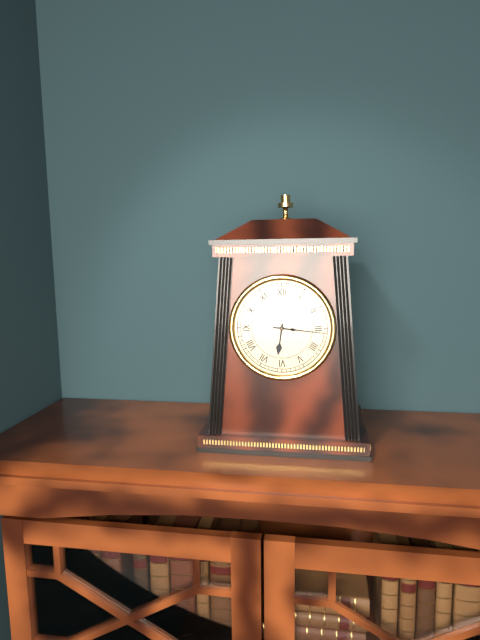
6:16
